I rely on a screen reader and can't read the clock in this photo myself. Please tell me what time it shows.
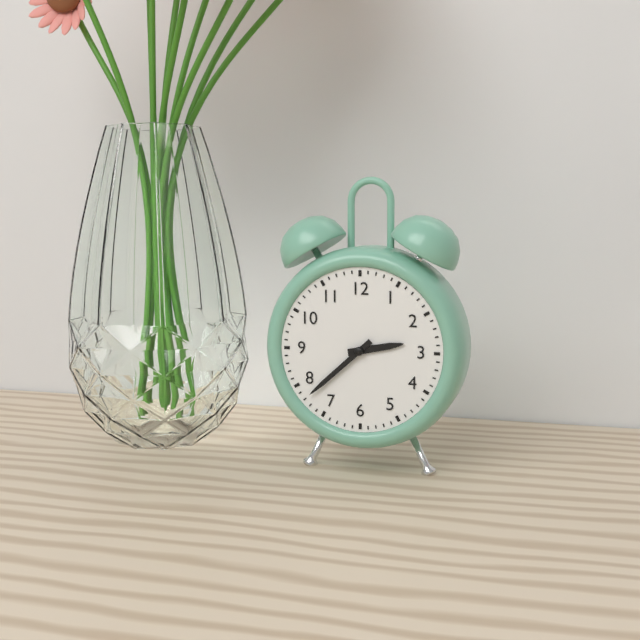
2:38
